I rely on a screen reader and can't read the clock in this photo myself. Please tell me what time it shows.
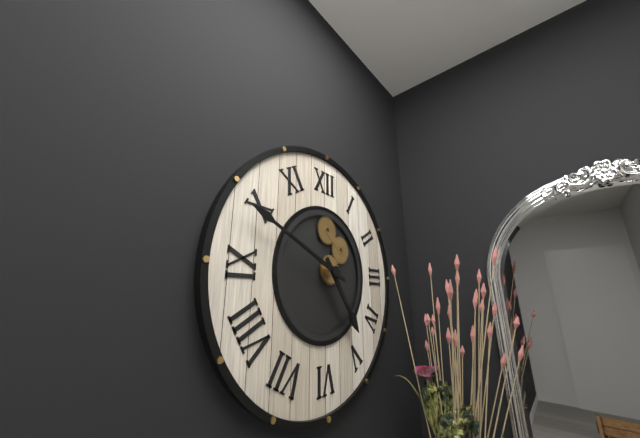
4:49
